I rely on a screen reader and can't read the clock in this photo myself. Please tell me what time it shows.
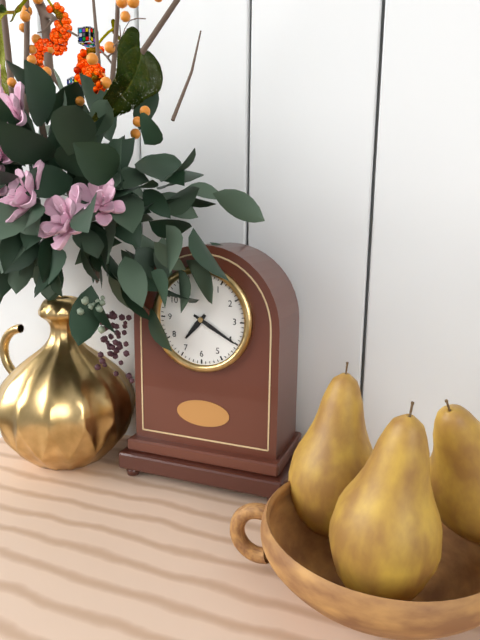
7:20
